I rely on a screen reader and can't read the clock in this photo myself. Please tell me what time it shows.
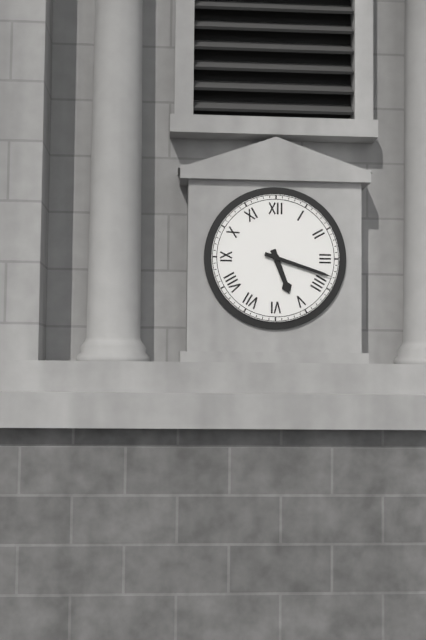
5:18
